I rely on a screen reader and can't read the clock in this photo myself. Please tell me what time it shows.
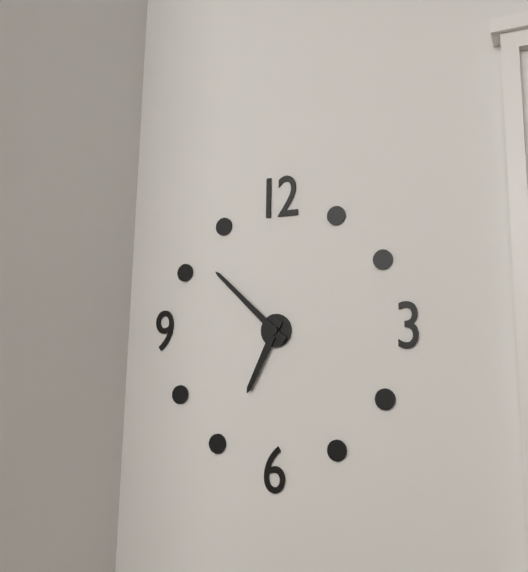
6:52
